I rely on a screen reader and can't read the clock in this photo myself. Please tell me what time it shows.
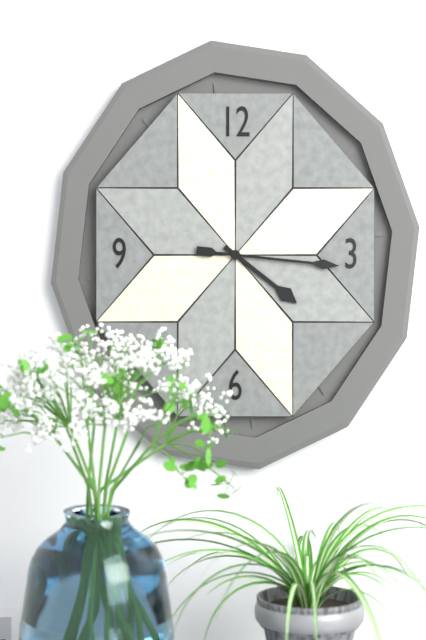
4:16
